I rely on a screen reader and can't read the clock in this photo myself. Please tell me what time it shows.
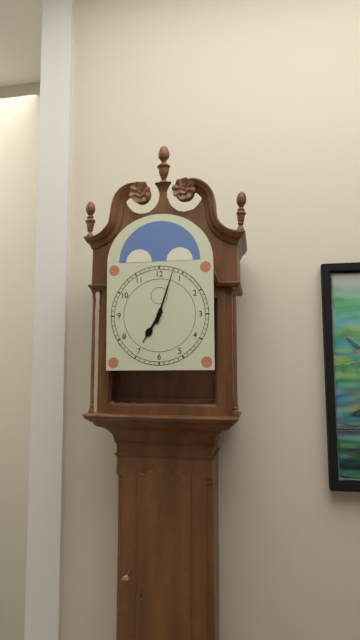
7:03
